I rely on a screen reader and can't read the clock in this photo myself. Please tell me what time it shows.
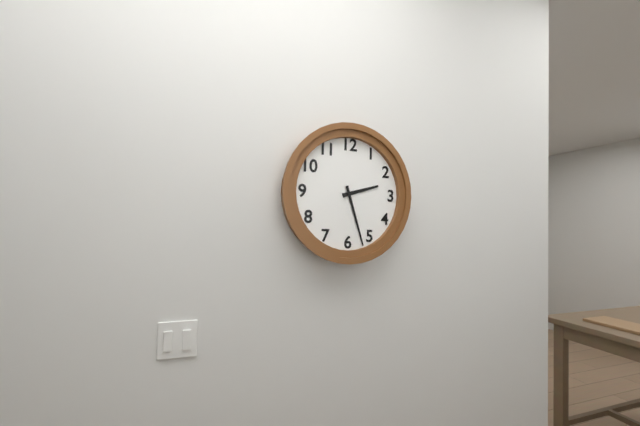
2:27
